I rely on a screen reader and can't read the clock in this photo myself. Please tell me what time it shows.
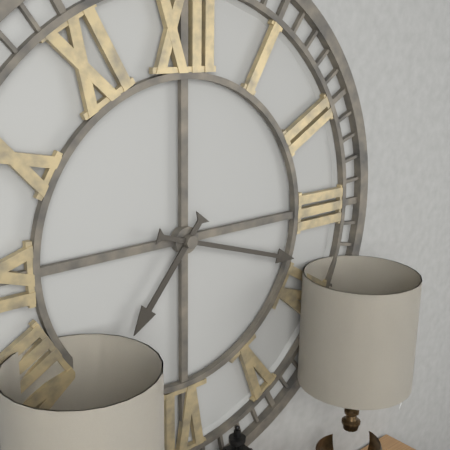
7:18
